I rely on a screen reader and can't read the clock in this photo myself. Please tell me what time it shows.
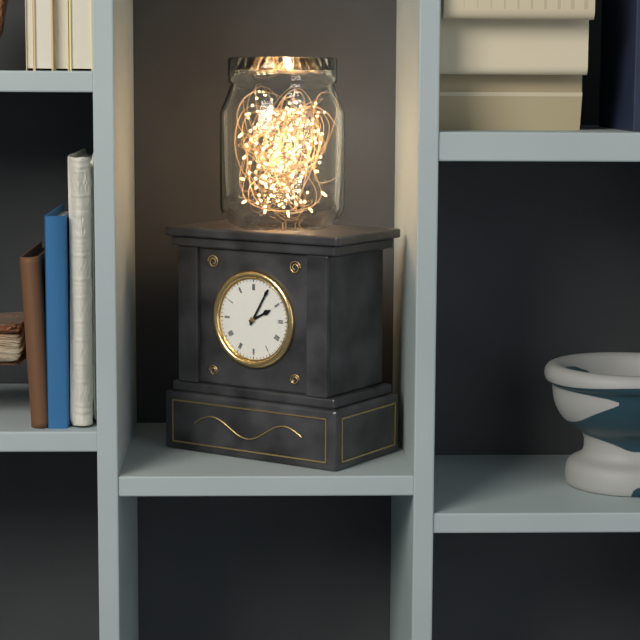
2:05
